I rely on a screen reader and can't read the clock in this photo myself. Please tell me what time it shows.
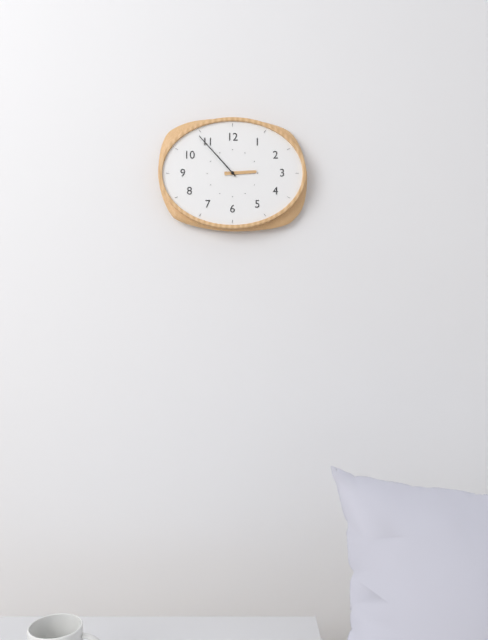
2:53
